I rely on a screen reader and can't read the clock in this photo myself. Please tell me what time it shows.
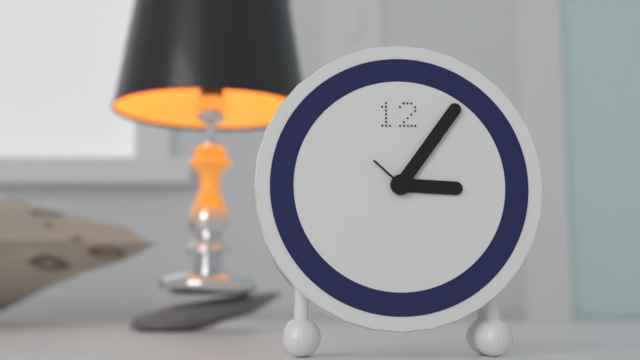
3:06
